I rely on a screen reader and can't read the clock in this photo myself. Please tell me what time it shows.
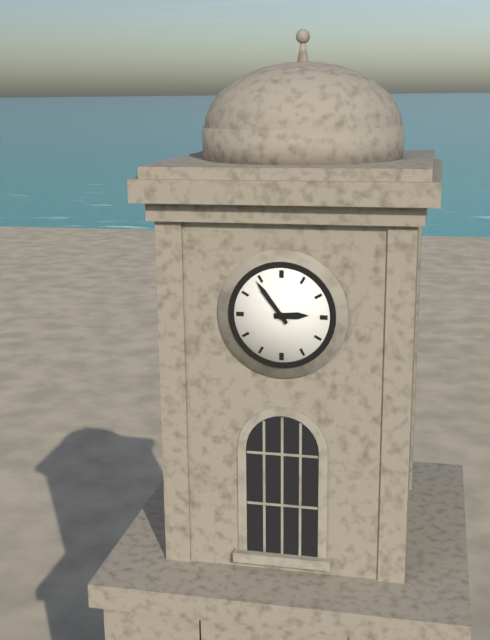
2:54
